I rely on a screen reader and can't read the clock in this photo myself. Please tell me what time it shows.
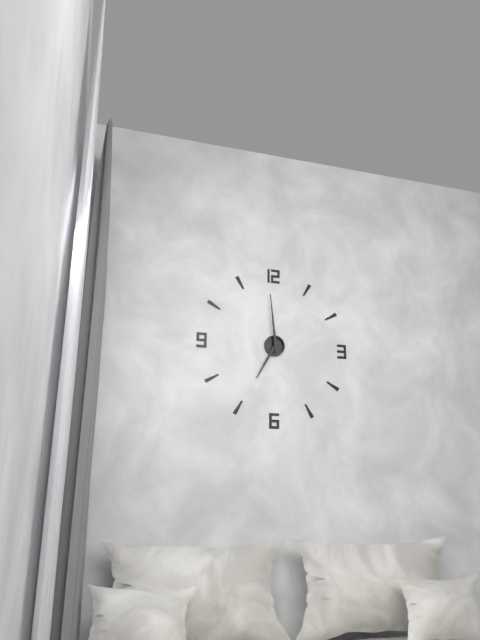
6:59
